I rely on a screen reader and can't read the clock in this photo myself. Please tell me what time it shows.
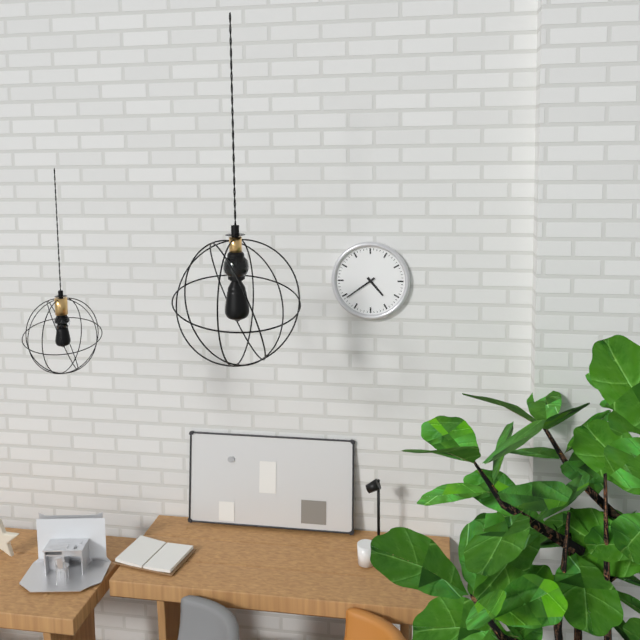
4:39
